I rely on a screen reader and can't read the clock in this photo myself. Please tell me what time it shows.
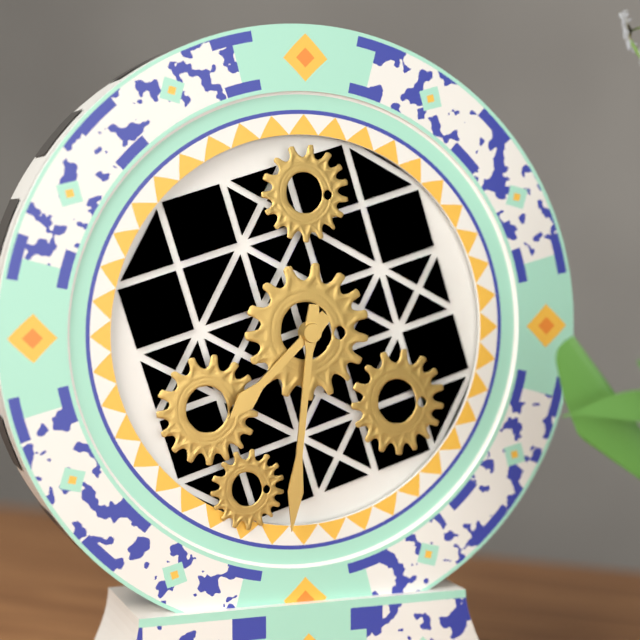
7:31
